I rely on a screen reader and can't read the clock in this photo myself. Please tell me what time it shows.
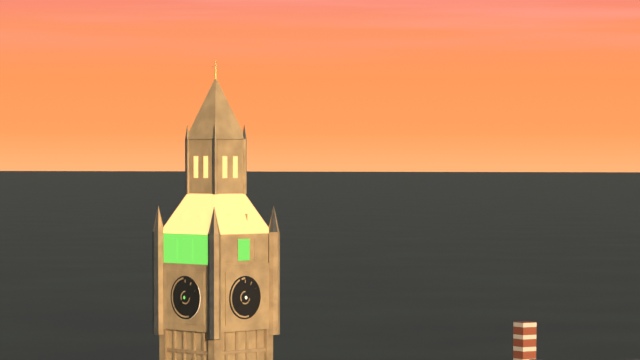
7:39
